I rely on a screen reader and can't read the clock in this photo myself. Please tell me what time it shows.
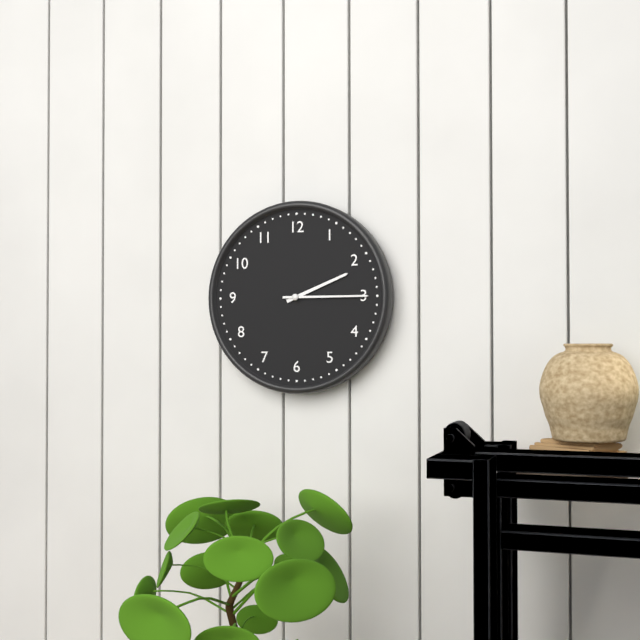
2:15
